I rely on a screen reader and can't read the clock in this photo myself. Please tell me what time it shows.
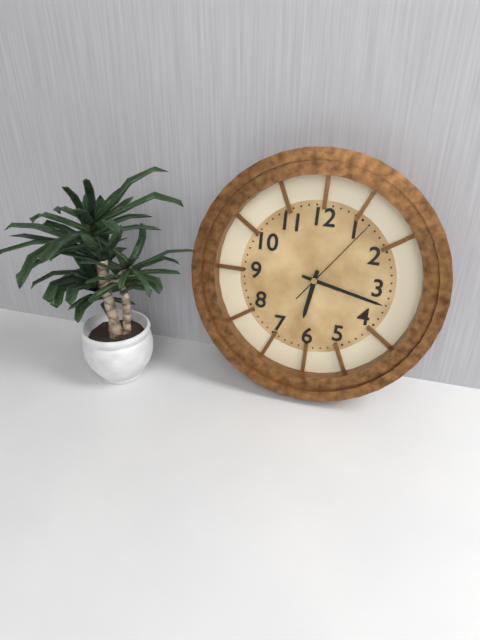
6:17:06
